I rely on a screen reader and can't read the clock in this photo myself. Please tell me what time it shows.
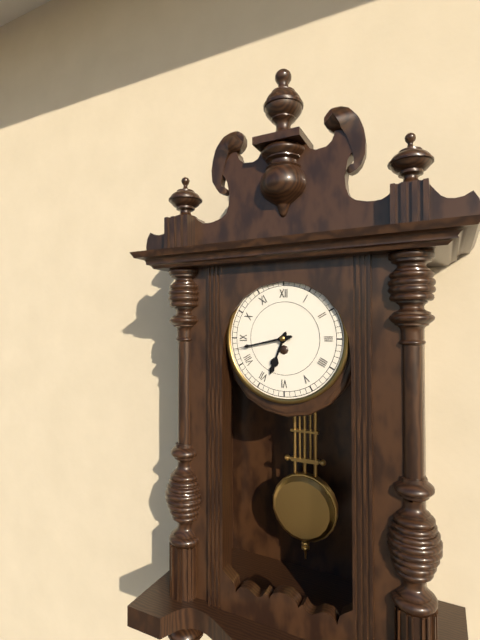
6:43
